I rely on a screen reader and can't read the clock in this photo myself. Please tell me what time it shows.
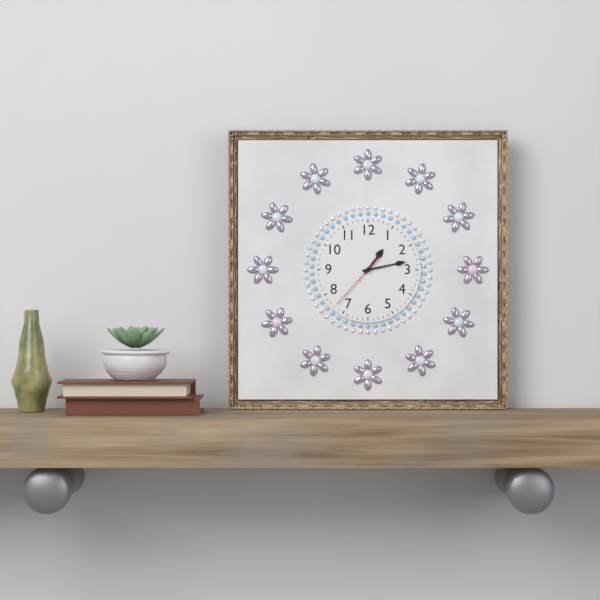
1:13:37
